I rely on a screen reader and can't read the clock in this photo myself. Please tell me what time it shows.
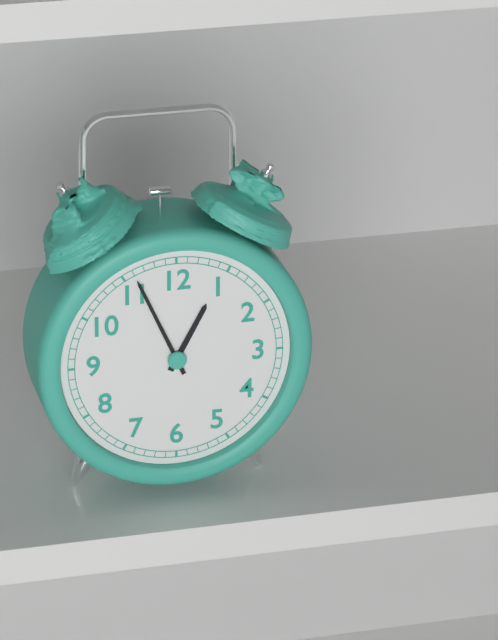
12:56
